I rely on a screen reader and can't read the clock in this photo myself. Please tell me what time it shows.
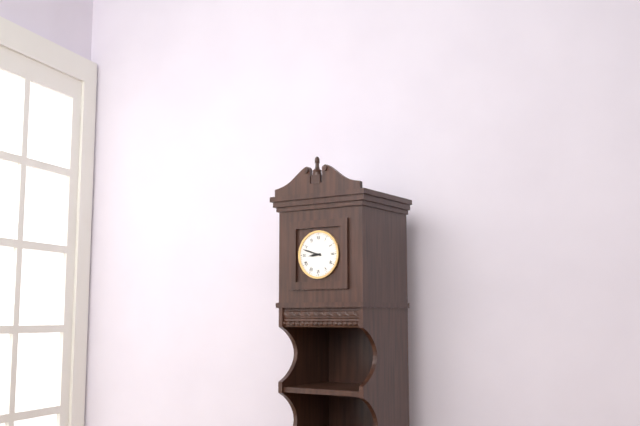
8:48
